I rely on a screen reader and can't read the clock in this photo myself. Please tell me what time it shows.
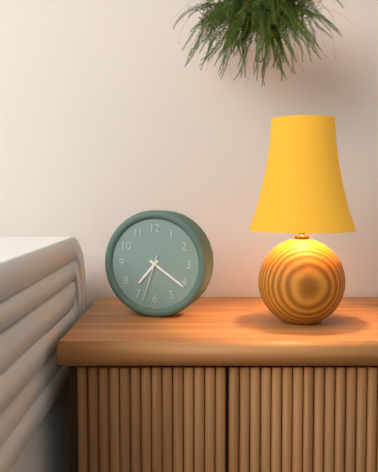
7:21
